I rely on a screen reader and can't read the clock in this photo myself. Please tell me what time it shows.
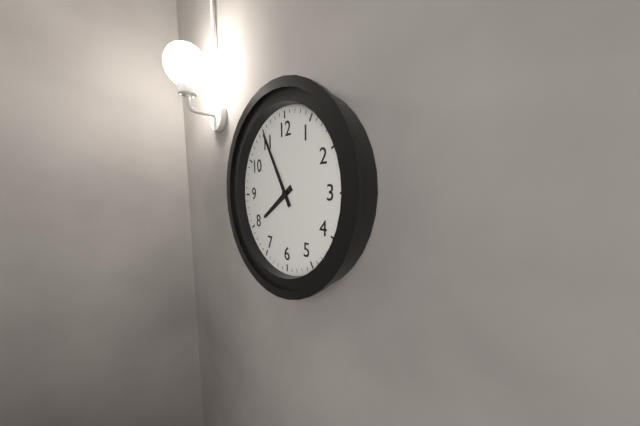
7:55
